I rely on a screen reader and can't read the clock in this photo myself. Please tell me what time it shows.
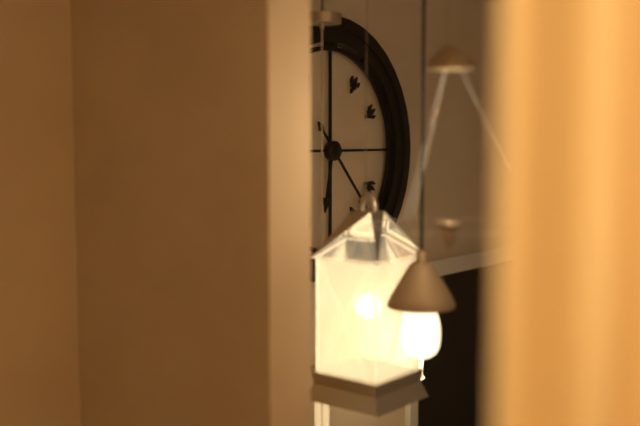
6:23
